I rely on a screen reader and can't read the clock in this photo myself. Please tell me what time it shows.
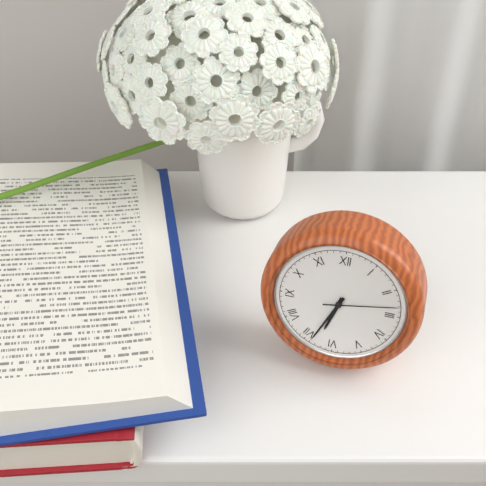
6:34:13
